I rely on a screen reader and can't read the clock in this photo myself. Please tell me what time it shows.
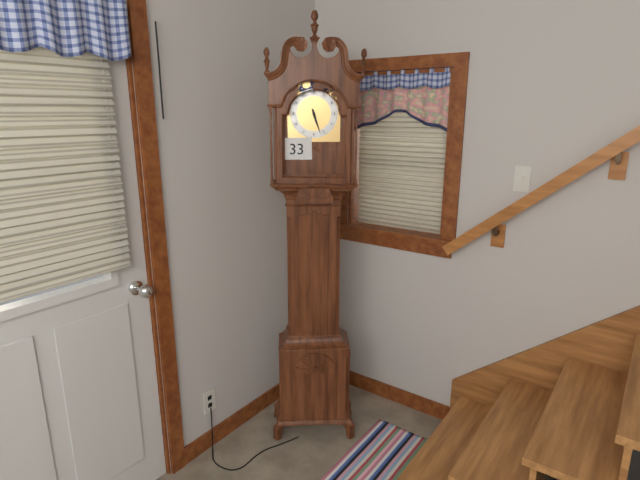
5:27
